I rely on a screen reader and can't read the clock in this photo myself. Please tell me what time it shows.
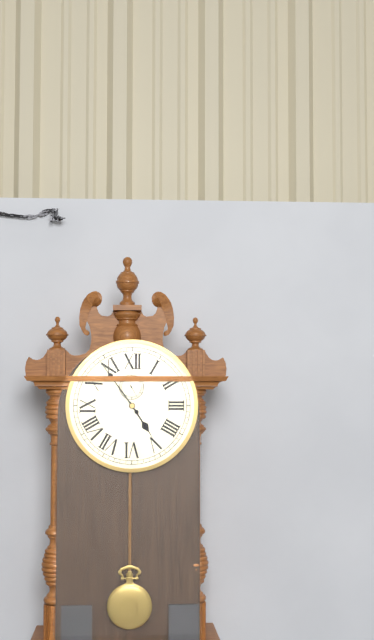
4:54
